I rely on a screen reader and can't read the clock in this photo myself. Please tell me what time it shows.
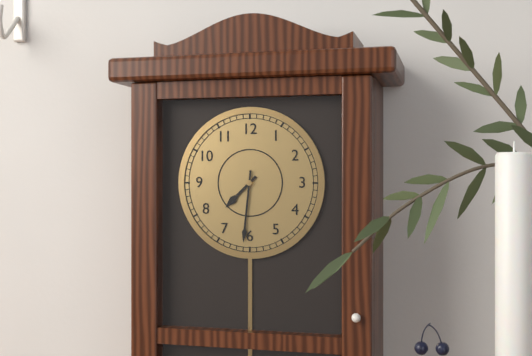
7:31
